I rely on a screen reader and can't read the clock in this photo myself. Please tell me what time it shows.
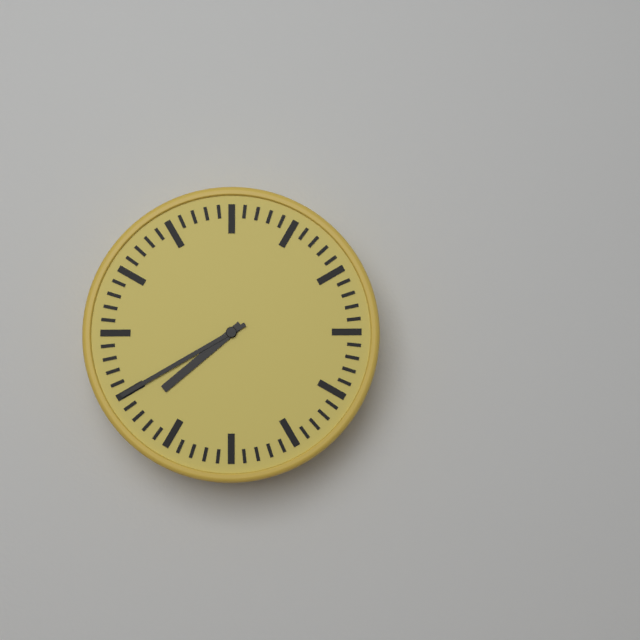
7:40
